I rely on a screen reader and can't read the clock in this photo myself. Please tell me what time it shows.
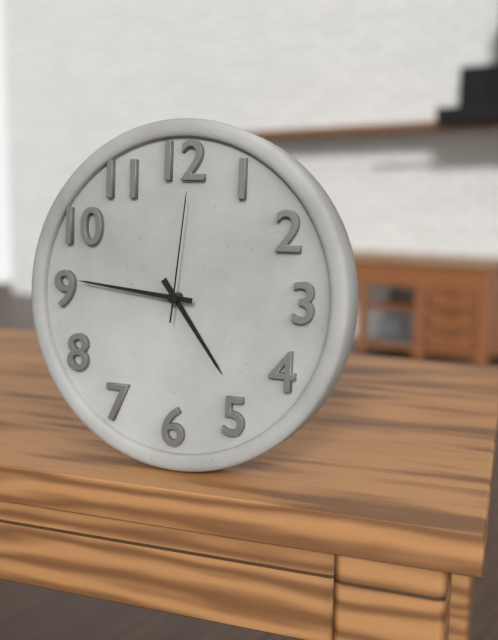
4:46:01
